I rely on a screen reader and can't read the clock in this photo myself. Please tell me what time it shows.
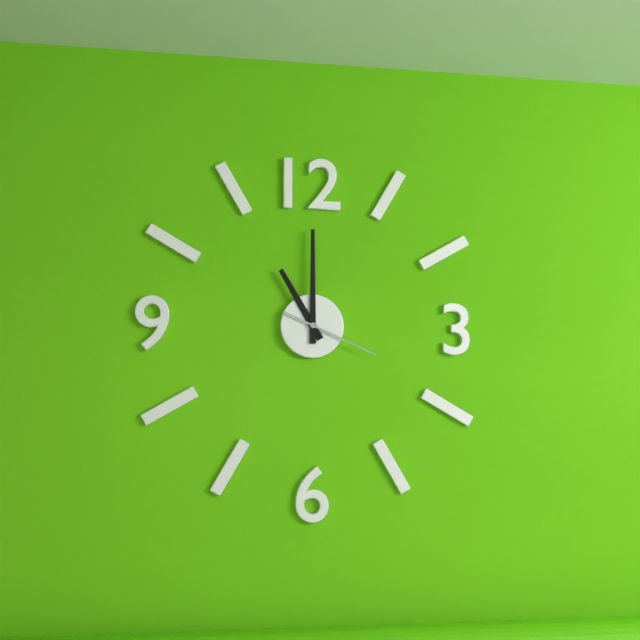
11:00:19
